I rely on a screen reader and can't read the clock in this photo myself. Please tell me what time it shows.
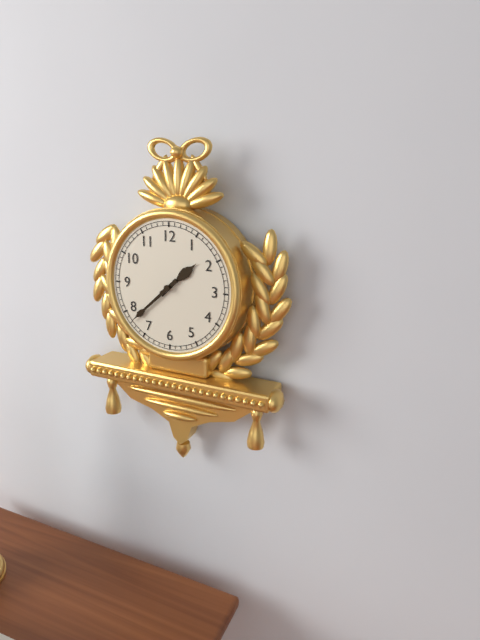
1:38
